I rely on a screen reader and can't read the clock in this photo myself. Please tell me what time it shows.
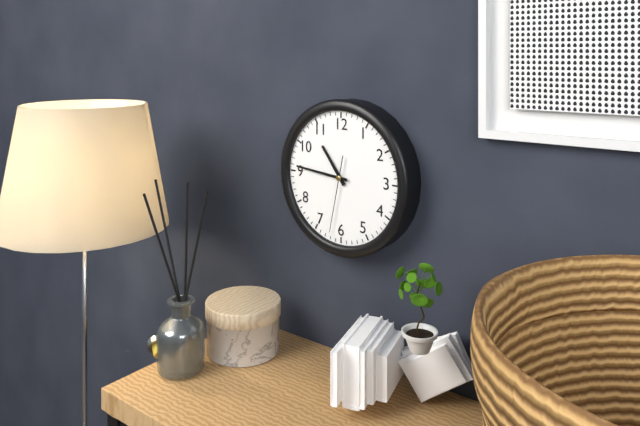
10:46:32
